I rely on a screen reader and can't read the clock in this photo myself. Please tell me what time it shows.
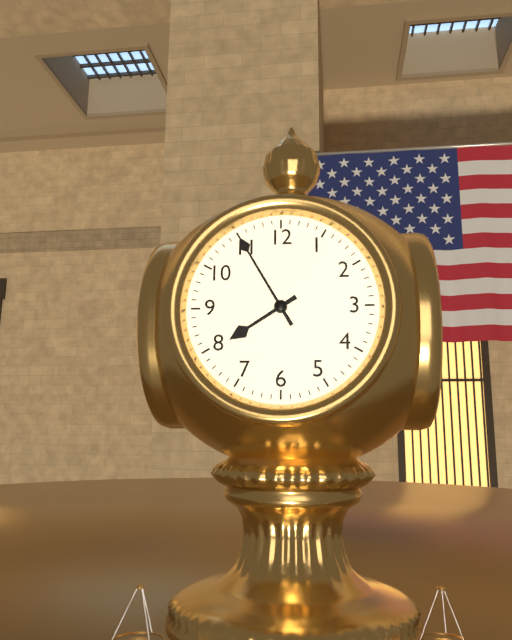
7:55
